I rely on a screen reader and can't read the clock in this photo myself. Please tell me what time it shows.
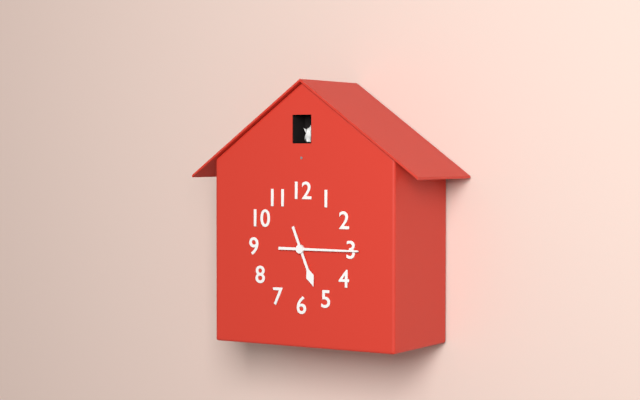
5:15
